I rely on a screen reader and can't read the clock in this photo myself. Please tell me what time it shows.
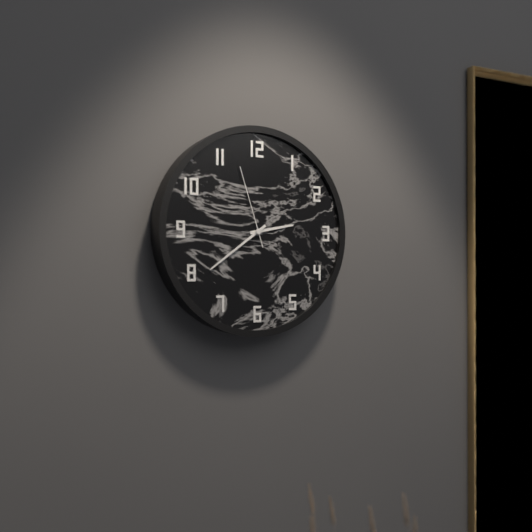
2:39:57
